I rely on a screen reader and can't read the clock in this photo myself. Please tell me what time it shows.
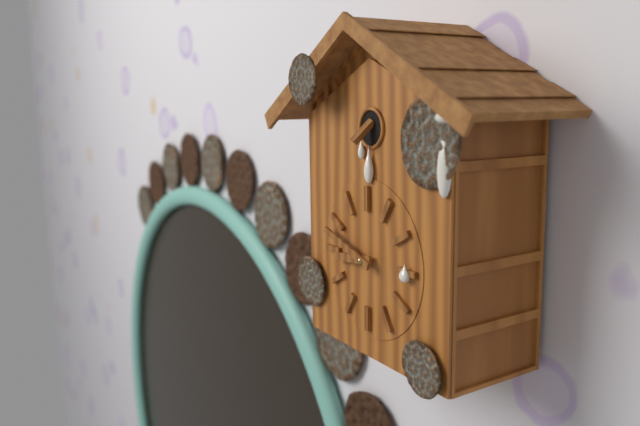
8:48
